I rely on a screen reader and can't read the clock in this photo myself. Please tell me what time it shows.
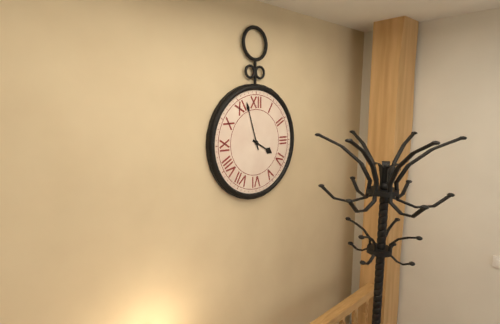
3:57
